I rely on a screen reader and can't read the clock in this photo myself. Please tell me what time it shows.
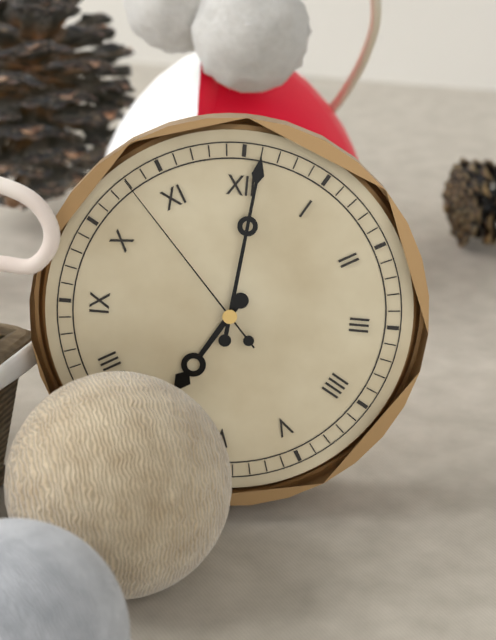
7:01:53
